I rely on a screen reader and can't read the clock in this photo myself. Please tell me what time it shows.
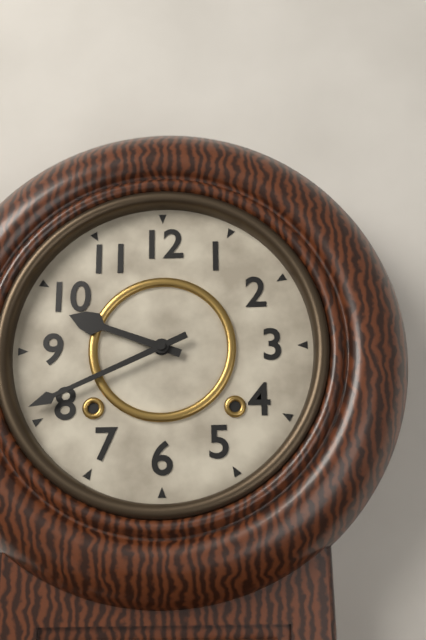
9:41
